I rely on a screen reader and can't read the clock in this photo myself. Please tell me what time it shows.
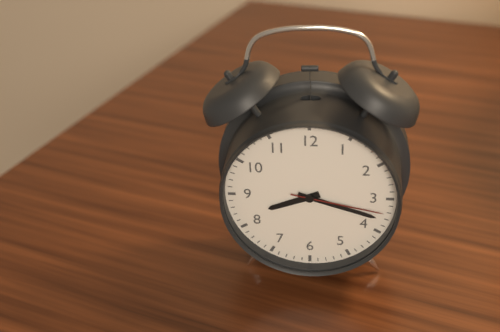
8:18:17
